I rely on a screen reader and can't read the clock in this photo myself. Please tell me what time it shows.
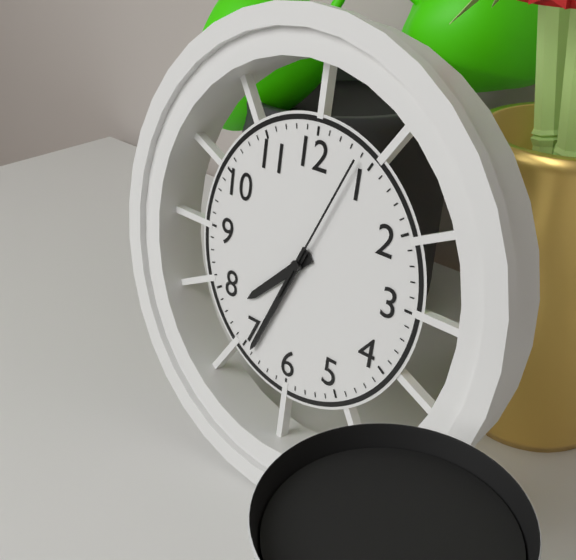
7:34:04
